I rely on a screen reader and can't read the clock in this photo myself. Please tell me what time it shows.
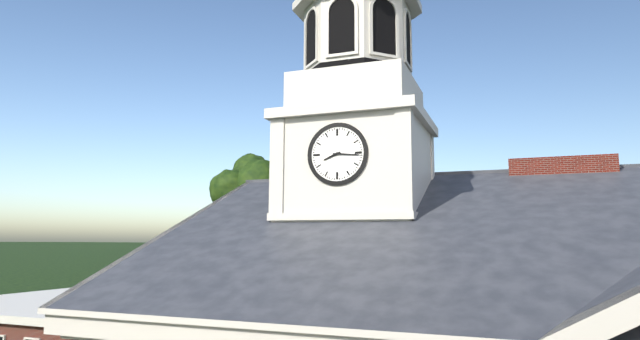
8:16
